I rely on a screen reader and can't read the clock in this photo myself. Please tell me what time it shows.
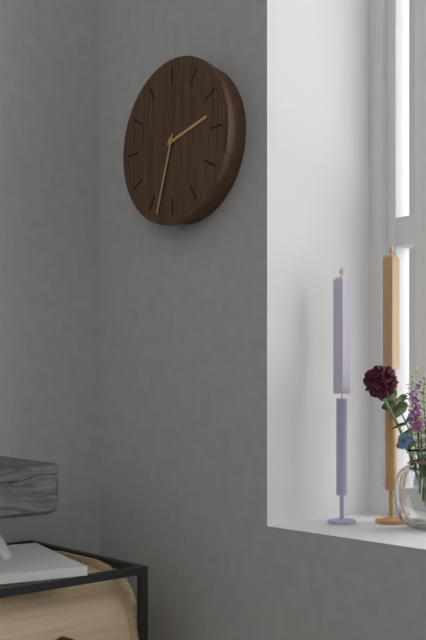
2:33
